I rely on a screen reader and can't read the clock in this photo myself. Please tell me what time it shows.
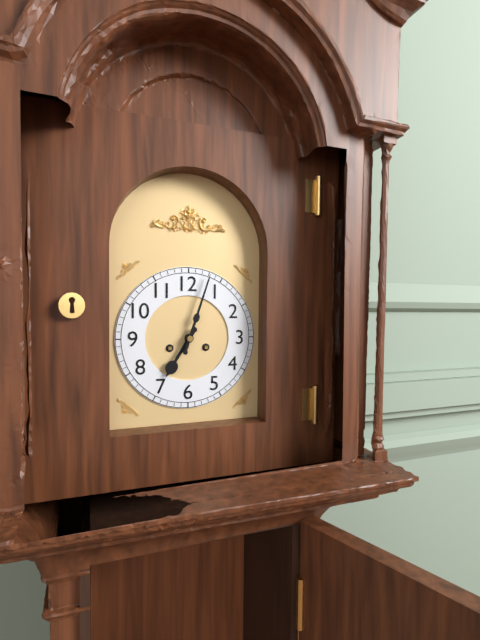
7:03
